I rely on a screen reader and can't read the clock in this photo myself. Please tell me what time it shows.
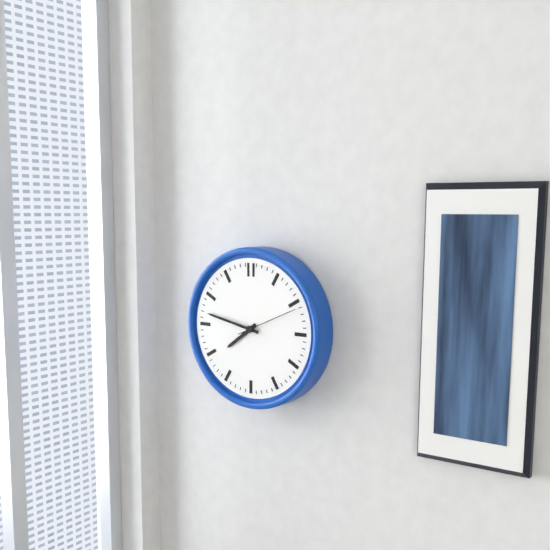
7:47:11
